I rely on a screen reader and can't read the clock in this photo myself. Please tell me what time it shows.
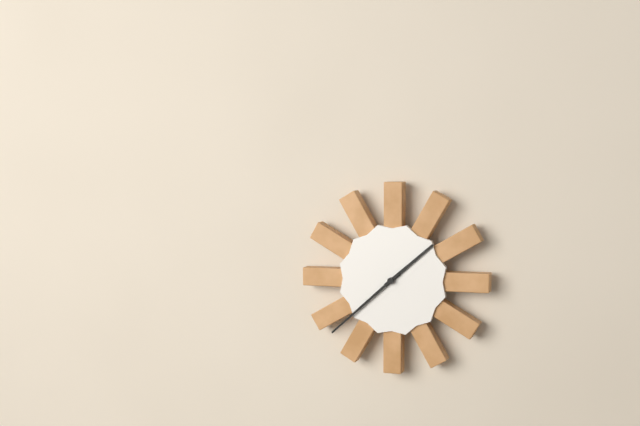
1:38
